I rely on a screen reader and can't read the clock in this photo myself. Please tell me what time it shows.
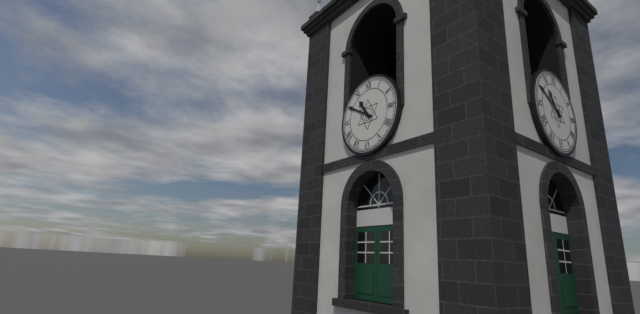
10:50
